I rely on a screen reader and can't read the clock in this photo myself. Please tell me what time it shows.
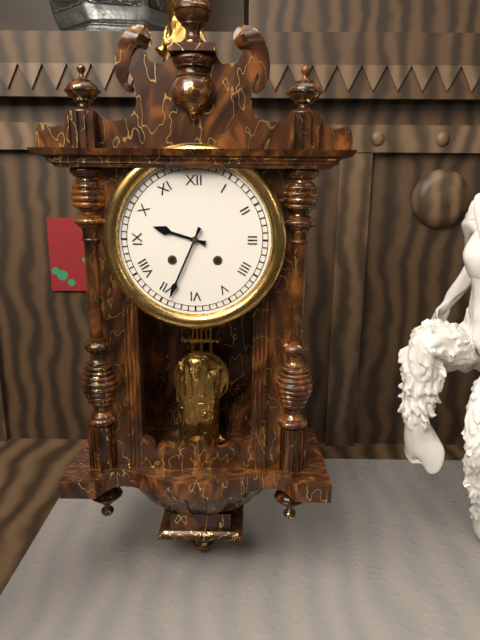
9:34
